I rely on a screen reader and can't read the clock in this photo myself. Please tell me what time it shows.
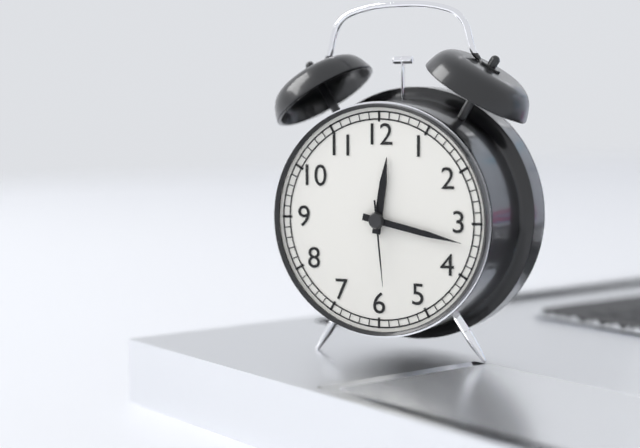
12:17:29
